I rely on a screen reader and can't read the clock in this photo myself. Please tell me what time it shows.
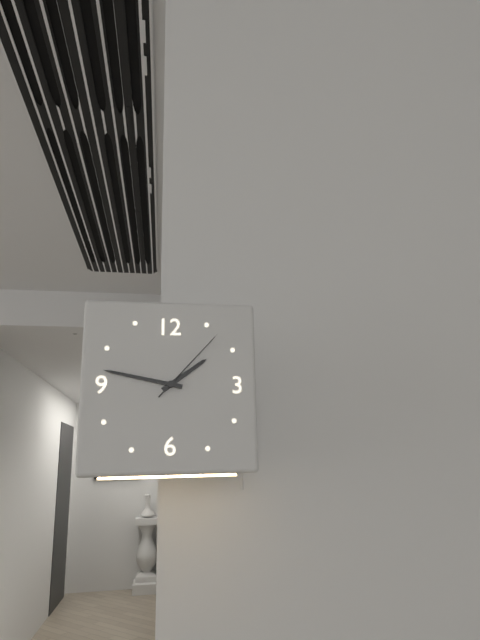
1:47:07
